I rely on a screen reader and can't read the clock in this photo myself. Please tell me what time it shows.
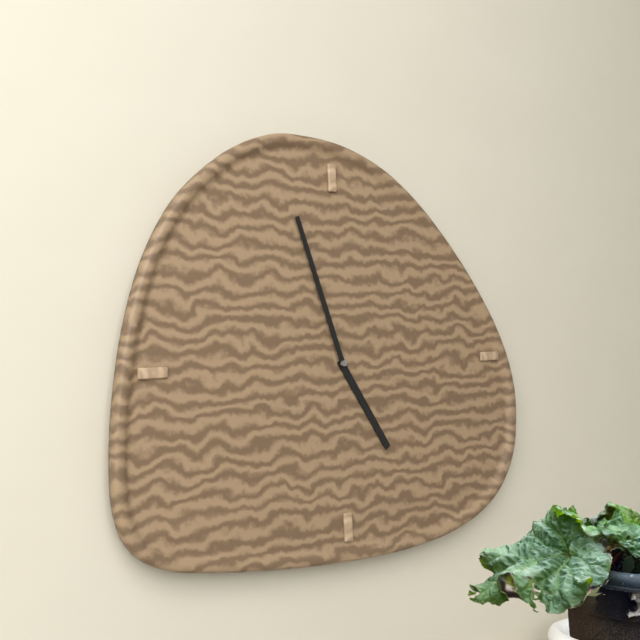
4:57
